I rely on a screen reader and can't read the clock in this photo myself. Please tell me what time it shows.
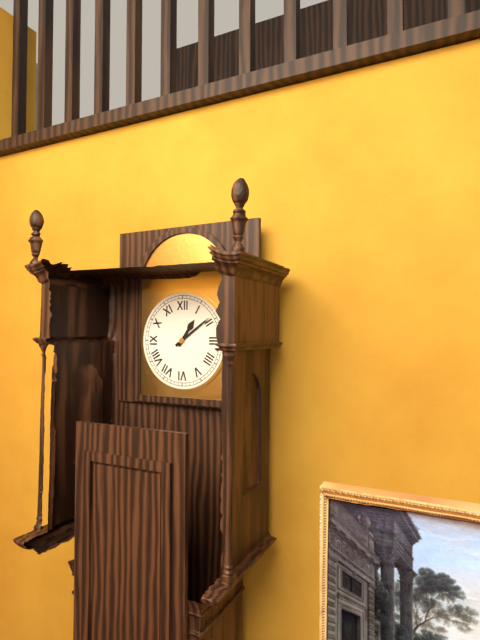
1:09
